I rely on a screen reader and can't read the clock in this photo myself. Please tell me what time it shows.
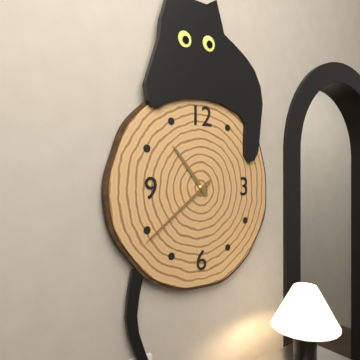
10:39
